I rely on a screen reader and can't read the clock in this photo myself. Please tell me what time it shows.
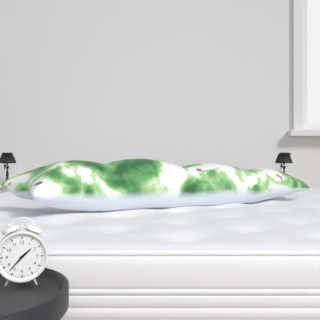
1:37
